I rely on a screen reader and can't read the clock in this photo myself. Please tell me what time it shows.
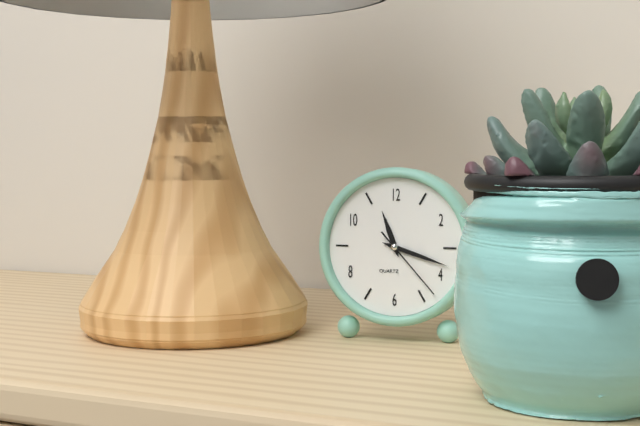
11:18:23
